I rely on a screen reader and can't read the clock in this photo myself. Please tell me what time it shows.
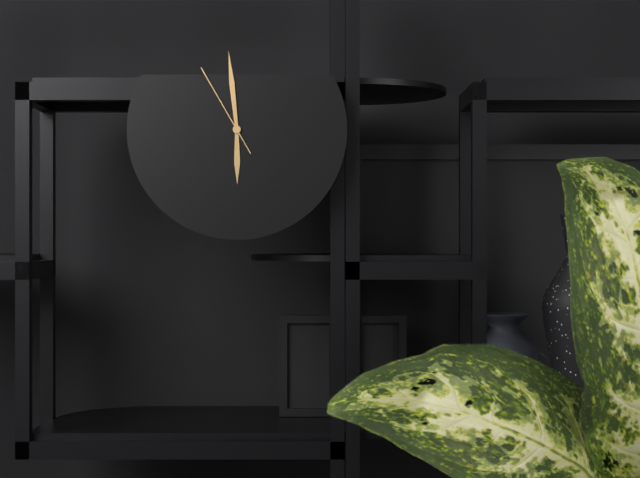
5:59:55
